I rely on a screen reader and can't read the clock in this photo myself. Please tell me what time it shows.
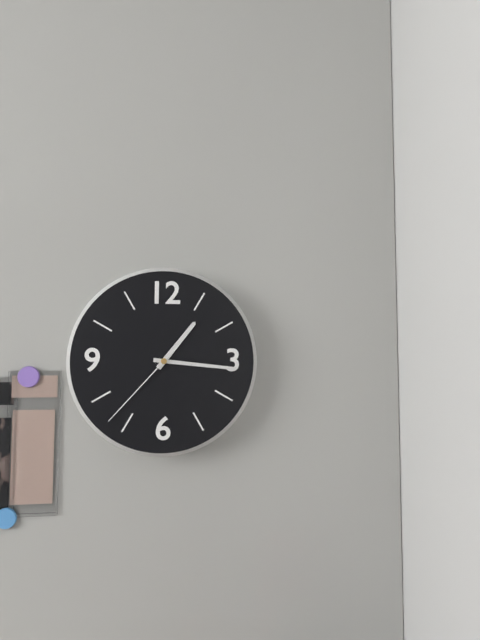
1:16:37
